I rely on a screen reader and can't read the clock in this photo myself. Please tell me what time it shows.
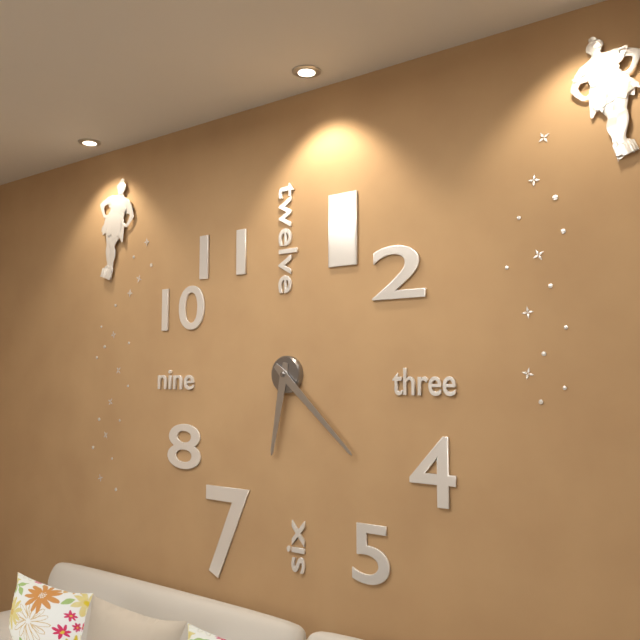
6:22
